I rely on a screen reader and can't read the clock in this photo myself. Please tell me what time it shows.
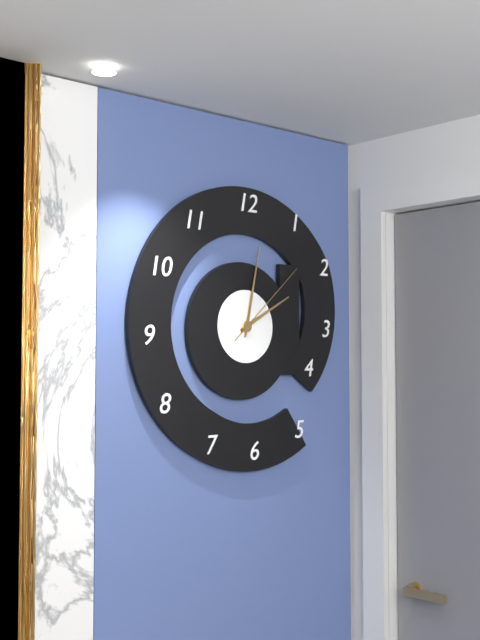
2:02:08
